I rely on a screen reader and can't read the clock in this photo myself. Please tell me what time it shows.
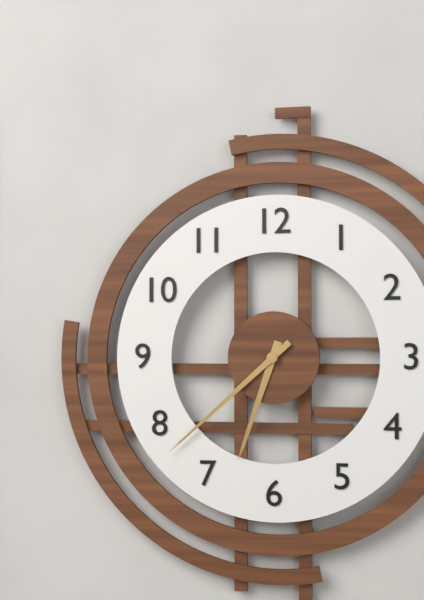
6:38
